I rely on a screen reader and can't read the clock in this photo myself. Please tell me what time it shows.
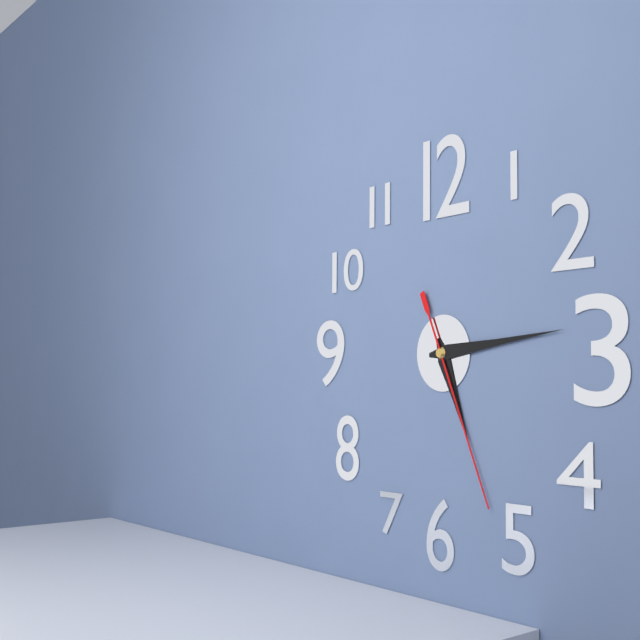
5:14:26
